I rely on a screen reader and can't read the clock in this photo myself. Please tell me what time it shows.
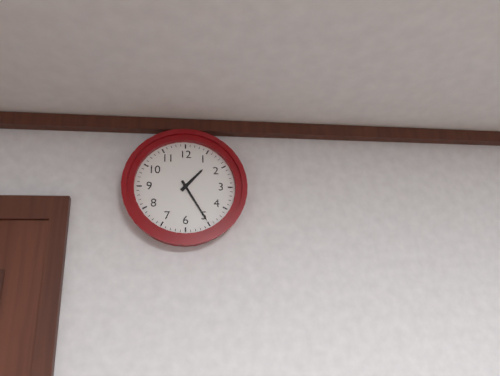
1:25
